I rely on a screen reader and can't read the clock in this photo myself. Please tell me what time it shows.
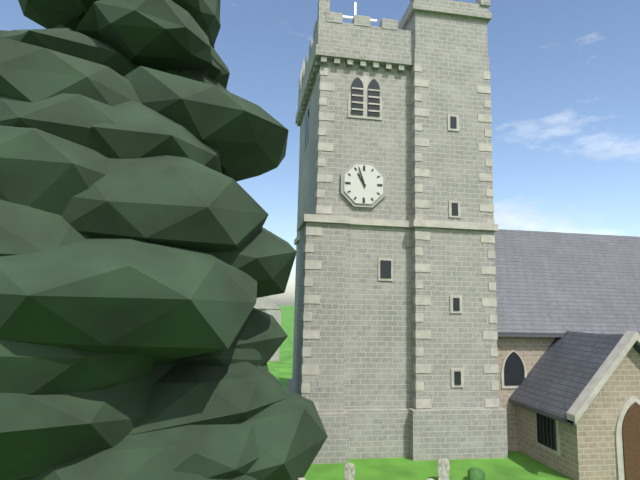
10:57
